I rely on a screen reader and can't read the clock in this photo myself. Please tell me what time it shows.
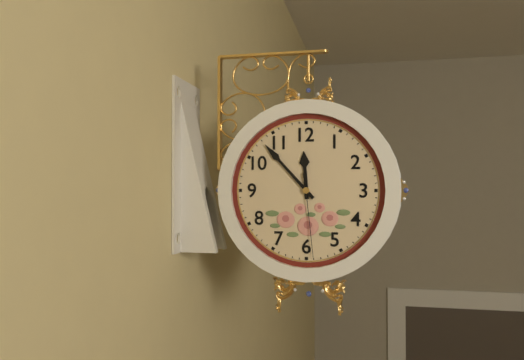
11:53:29
